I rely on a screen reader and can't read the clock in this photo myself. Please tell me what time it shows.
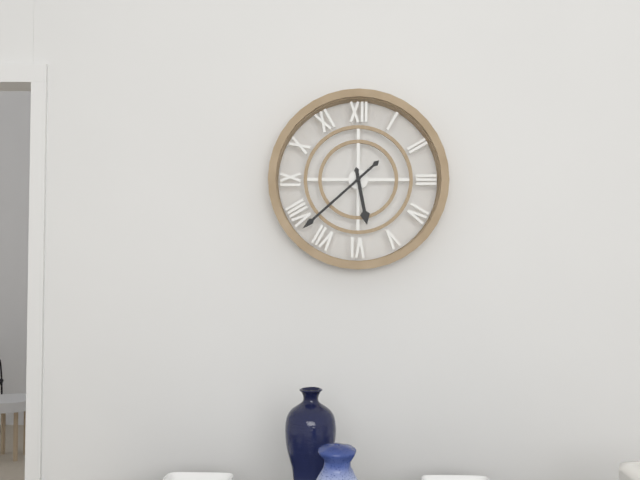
5:38
